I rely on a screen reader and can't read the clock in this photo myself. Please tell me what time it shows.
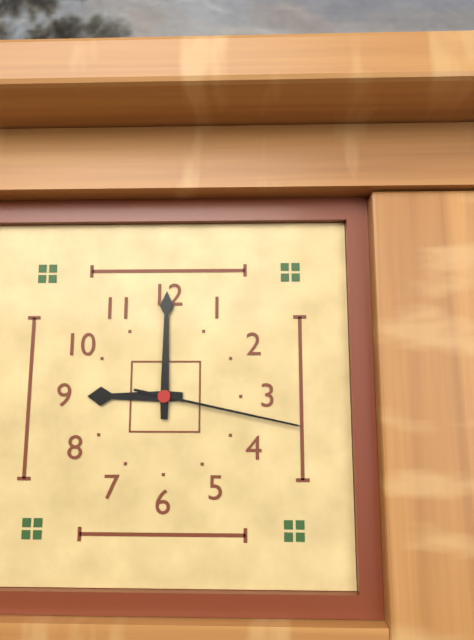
9:00:17
